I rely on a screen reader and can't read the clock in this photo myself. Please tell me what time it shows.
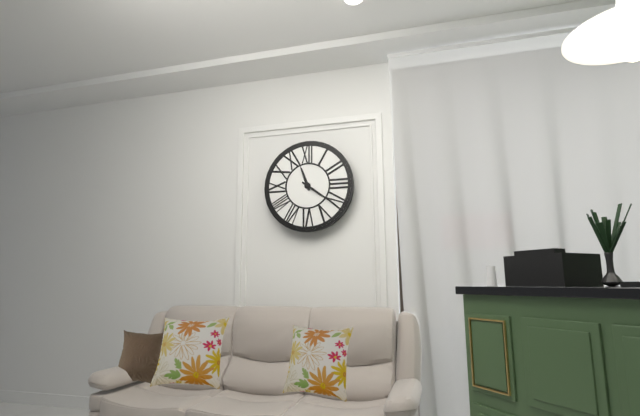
11:21
